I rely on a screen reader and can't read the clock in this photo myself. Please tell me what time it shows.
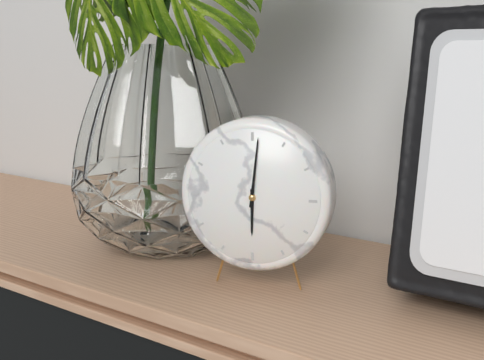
6:01
